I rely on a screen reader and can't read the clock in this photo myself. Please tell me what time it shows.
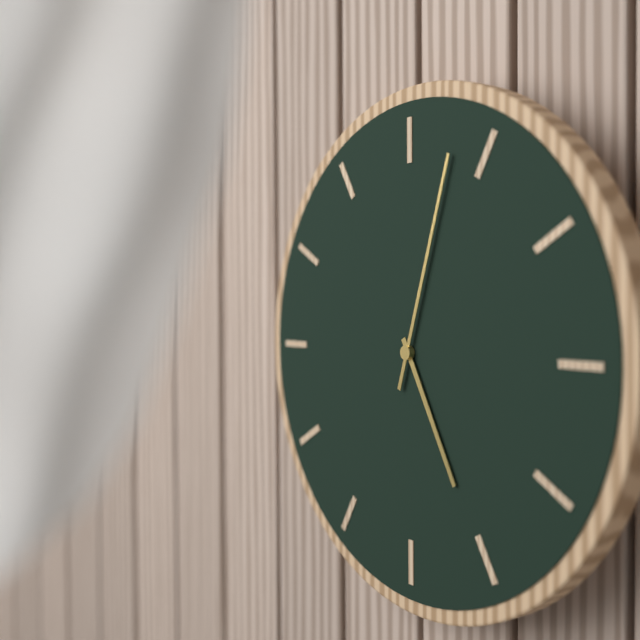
5:03
